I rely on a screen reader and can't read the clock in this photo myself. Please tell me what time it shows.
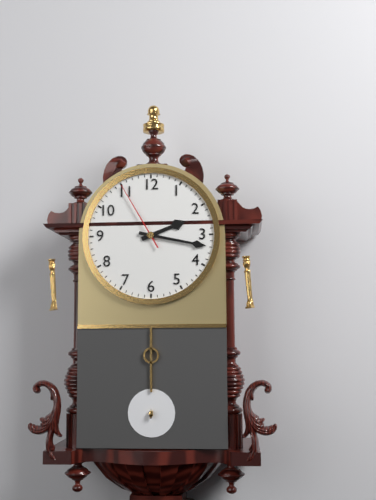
2:17:55
